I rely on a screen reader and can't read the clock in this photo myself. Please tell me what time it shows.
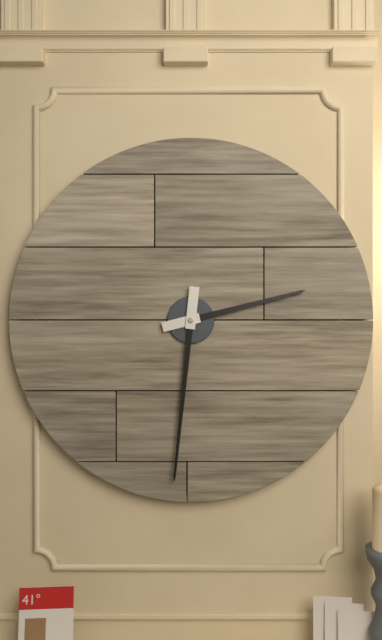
2:31
